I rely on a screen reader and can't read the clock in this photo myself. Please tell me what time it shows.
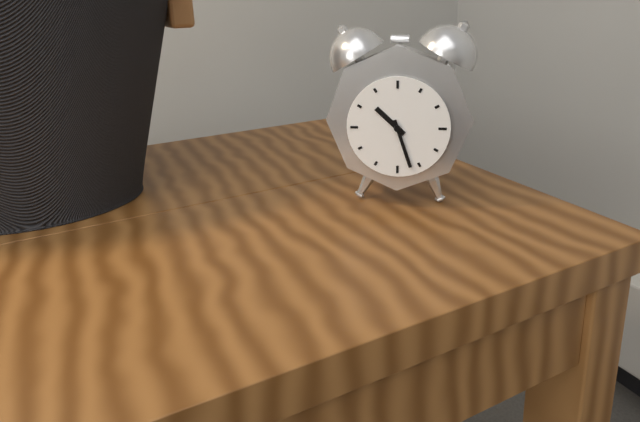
10:27
